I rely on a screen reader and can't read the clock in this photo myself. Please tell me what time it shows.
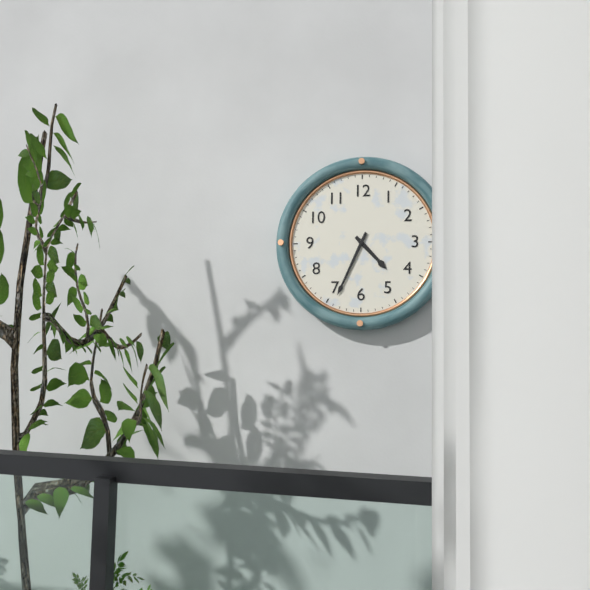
4:34
